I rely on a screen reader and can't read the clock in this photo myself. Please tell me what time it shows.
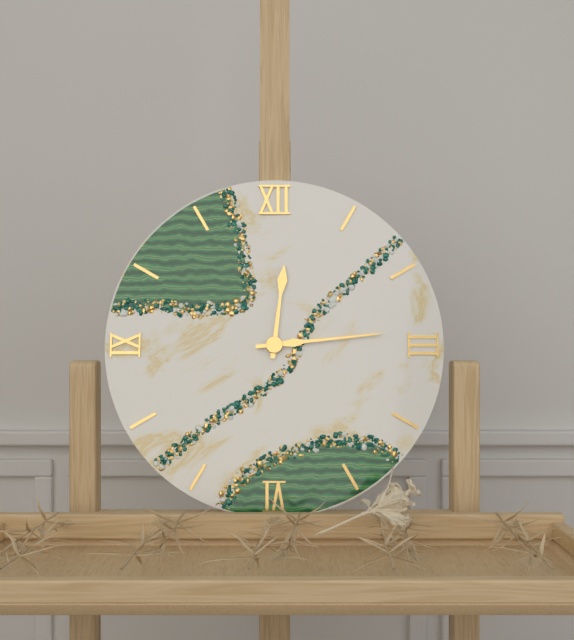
12:14
